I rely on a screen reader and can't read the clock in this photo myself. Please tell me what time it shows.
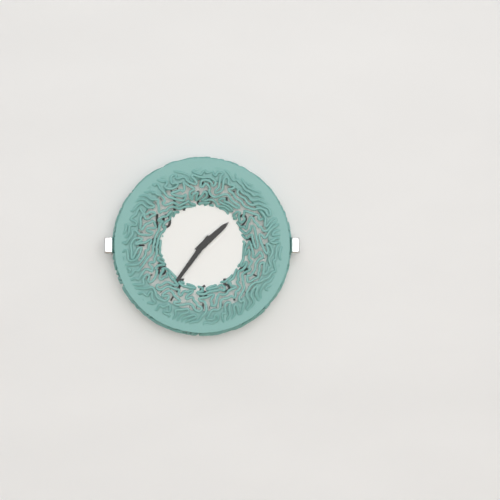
1:36
